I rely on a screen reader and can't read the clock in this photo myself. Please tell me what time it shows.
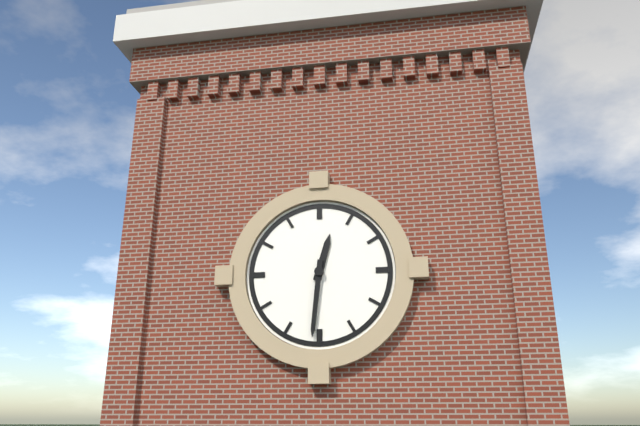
12:31
